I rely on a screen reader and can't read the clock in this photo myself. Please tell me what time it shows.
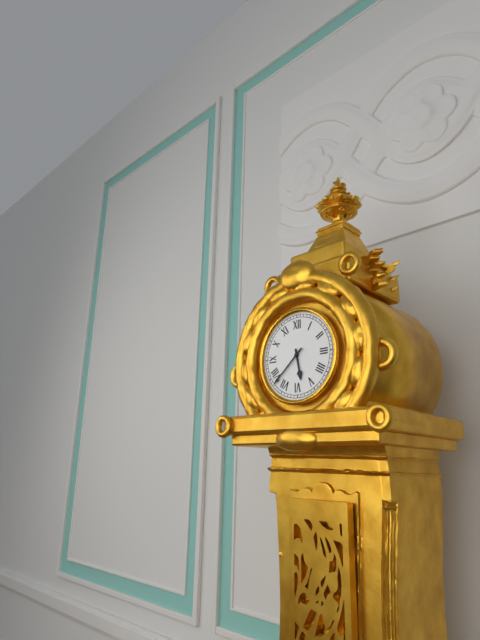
5:38
